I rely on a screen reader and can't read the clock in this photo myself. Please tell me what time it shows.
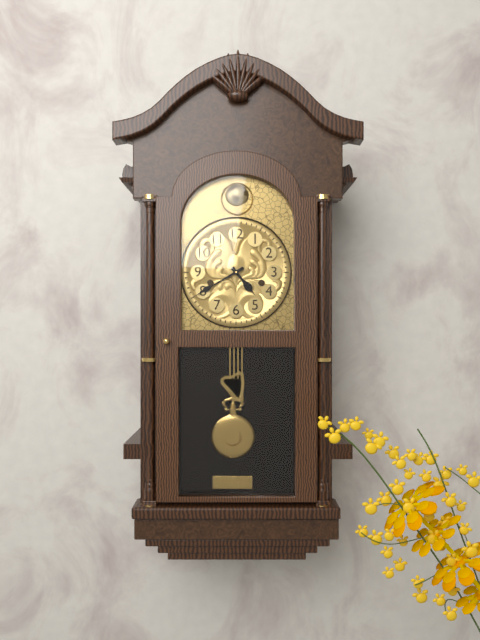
4:40
